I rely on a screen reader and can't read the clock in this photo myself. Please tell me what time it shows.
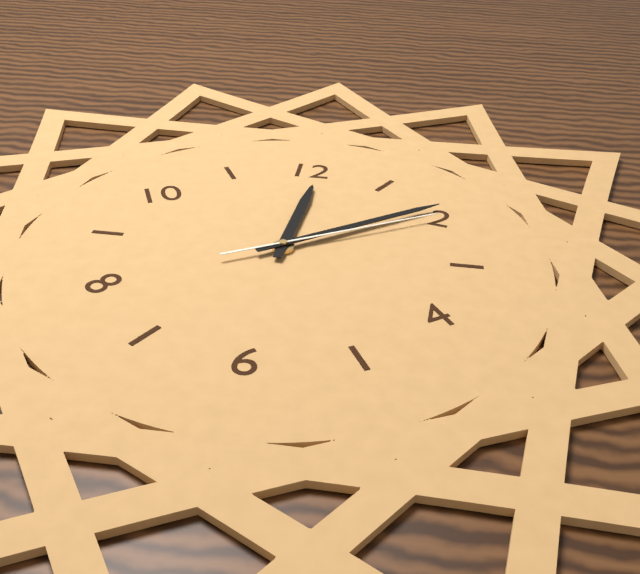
12:09:10
